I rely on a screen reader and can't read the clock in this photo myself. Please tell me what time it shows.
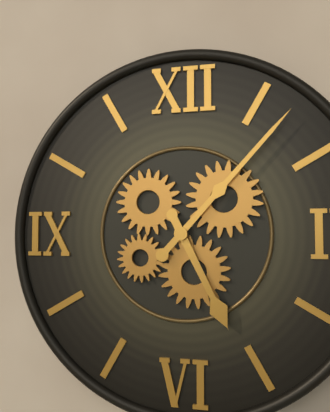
5:07
